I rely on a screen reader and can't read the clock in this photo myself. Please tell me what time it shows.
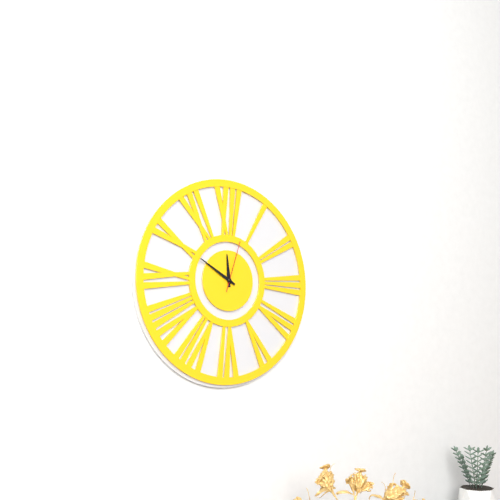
11:50:03
